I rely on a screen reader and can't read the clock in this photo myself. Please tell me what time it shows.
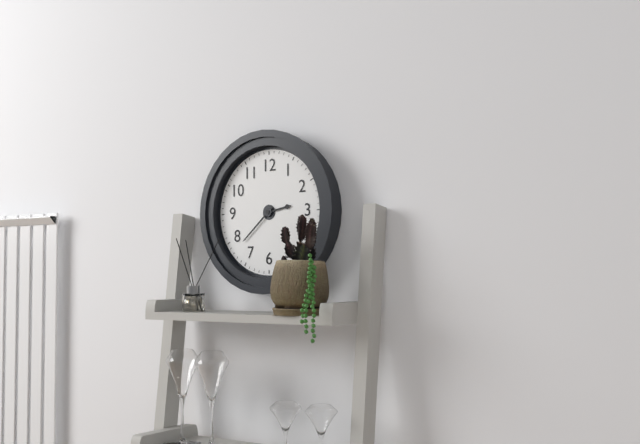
2:38
